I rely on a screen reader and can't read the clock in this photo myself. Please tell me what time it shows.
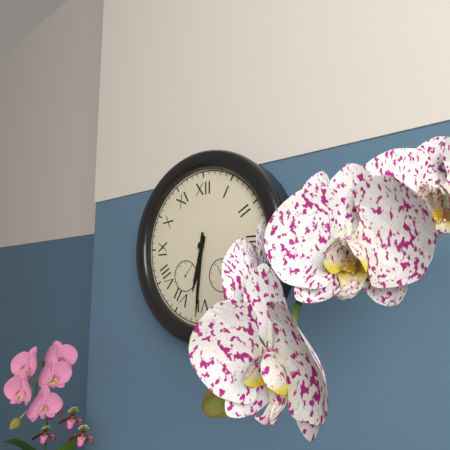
6:31
